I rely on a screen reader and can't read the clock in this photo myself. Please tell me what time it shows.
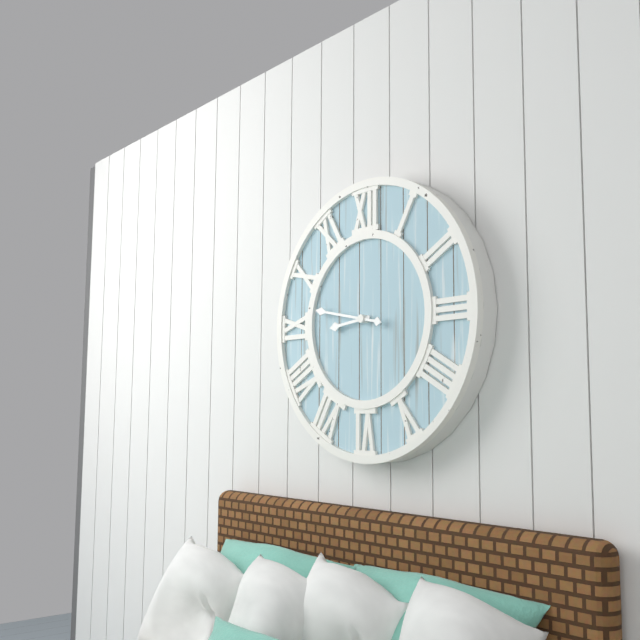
8:47
